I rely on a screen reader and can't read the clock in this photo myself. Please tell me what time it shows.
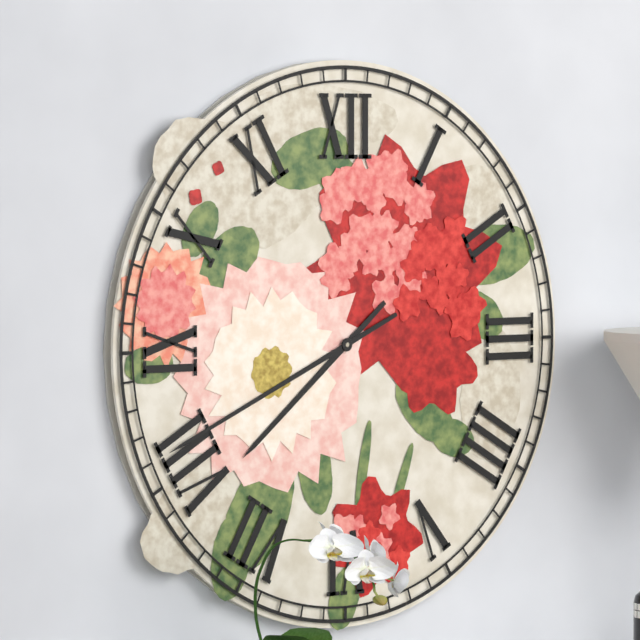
7:41
